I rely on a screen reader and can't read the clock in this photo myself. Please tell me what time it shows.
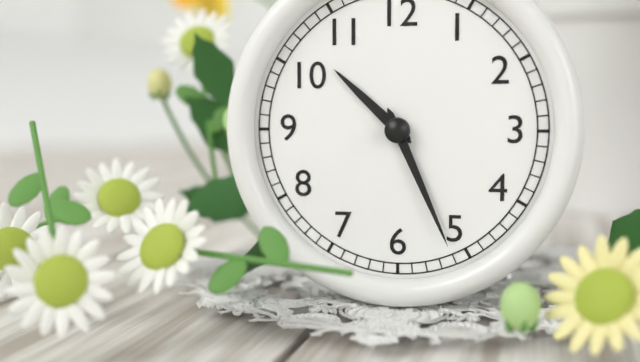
10:26
